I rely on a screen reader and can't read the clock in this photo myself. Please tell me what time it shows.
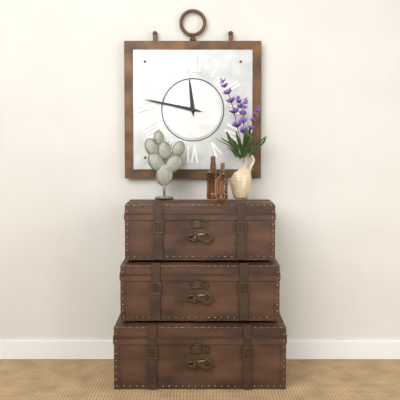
11:47
